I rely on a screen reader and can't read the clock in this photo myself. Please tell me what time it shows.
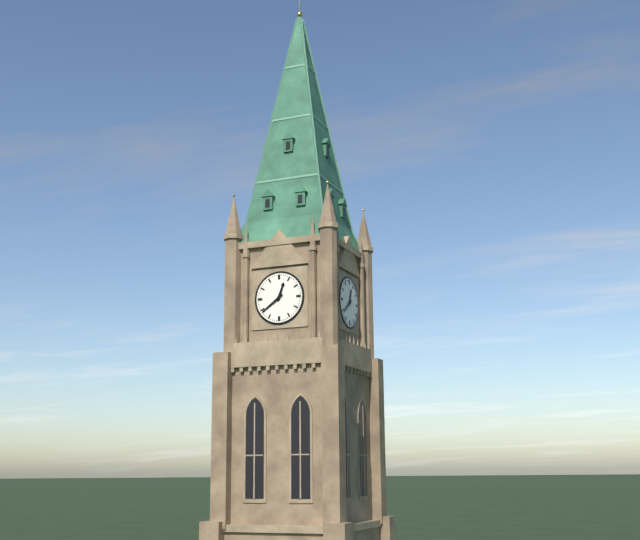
12:39
